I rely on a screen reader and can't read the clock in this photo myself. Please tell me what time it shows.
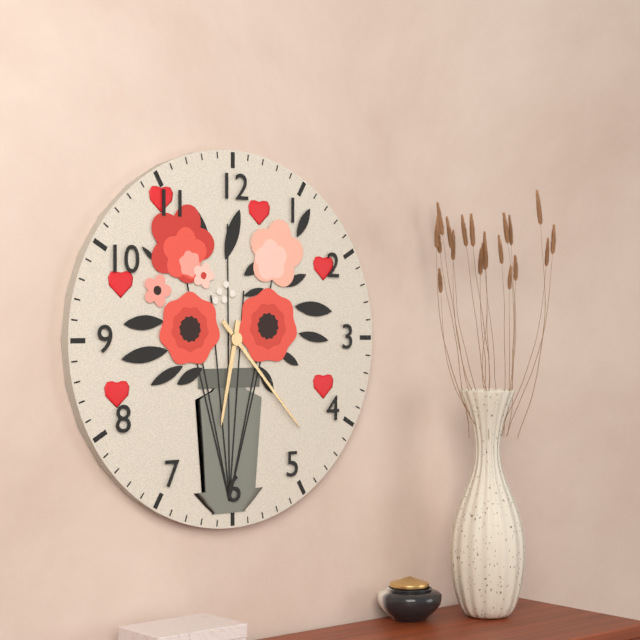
6:23
